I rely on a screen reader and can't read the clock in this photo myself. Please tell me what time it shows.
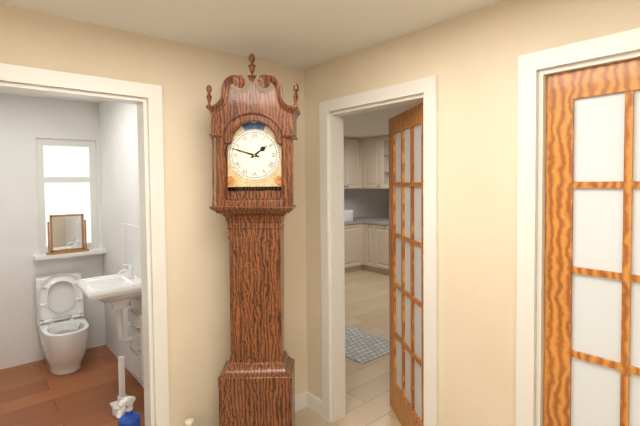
1:48
